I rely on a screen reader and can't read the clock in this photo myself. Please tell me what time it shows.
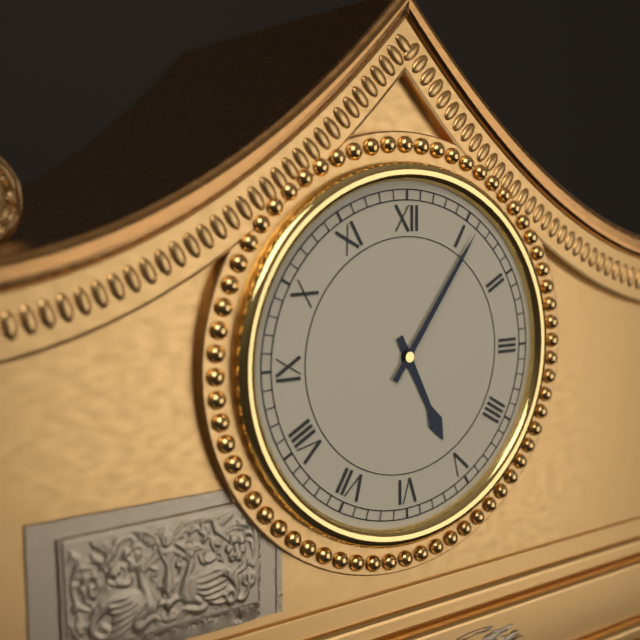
5:06
